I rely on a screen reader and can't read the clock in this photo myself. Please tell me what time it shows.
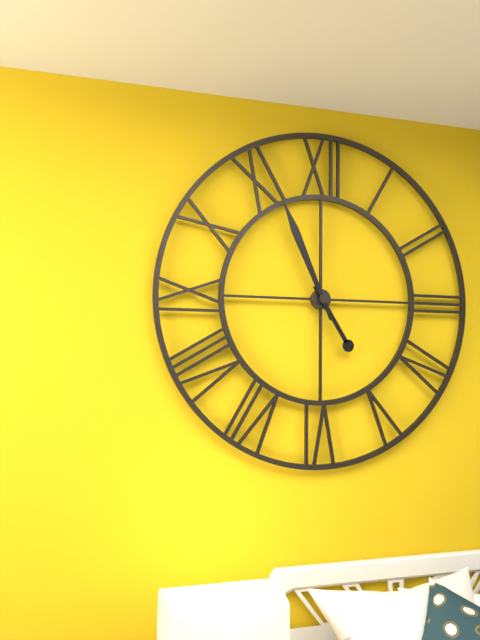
4:56
